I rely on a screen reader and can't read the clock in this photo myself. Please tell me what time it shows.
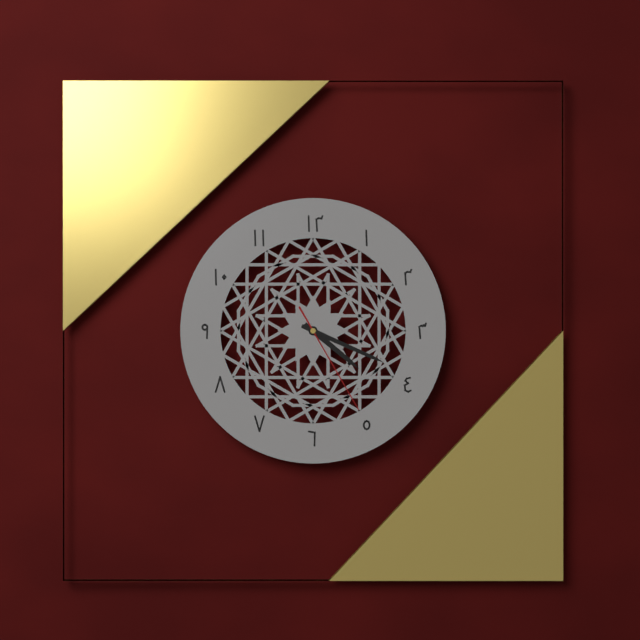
4:19:25
